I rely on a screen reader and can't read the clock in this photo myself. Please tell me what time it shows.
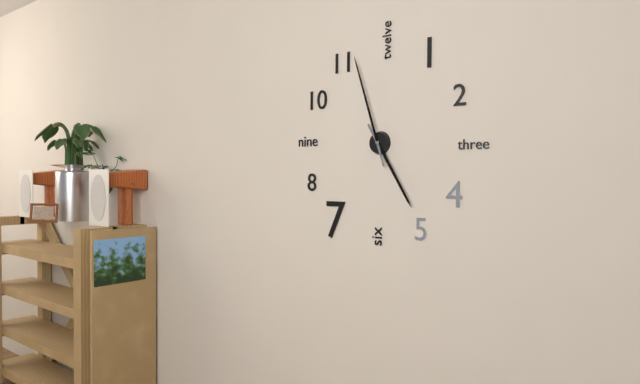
4:57
